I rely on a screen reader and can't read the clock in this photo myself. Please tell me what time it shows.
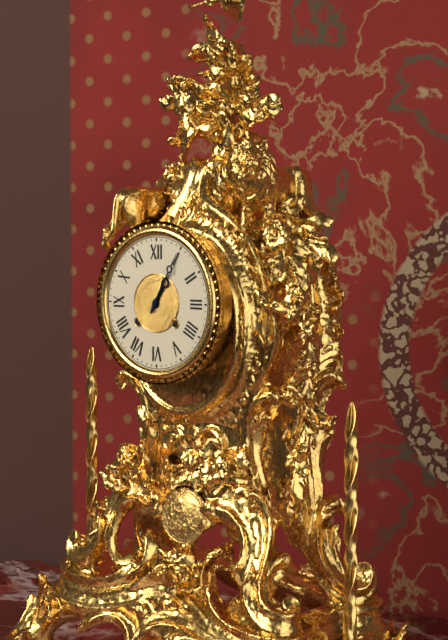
1:05
